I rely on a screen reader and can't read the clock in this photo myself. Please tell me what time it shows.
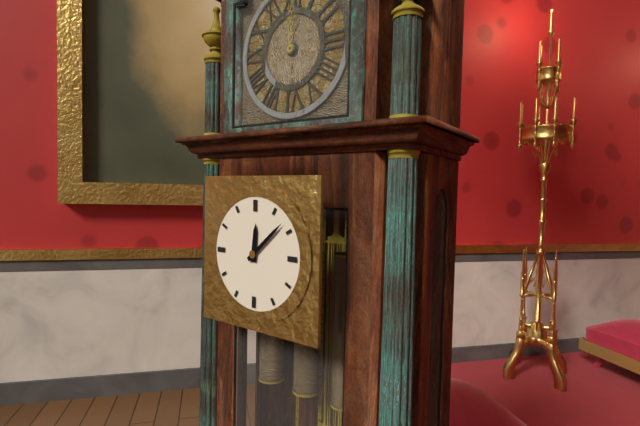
12:08
